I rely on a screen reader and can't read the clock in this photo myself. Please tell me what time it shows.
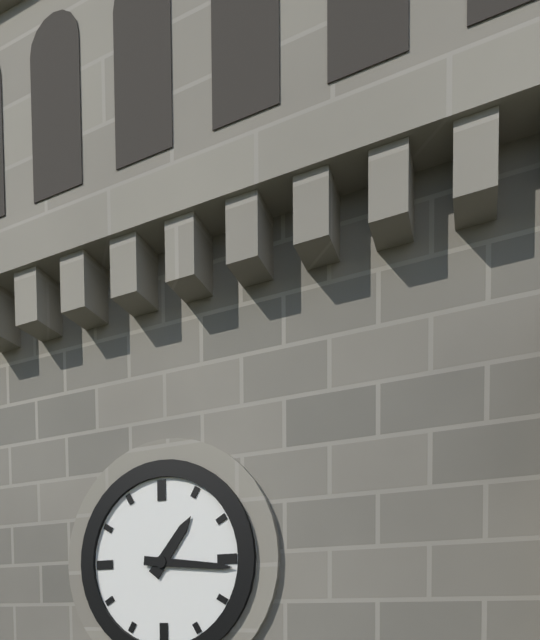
1:16
